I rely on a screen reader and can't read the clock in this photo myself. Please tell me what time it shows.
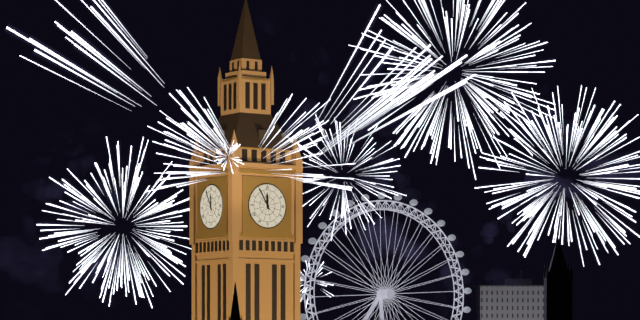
11:55
